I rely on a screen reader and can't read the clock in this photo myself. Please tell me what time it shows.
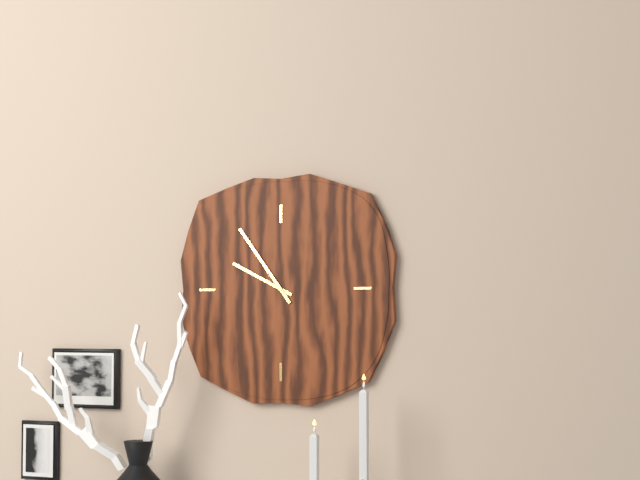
9:54
